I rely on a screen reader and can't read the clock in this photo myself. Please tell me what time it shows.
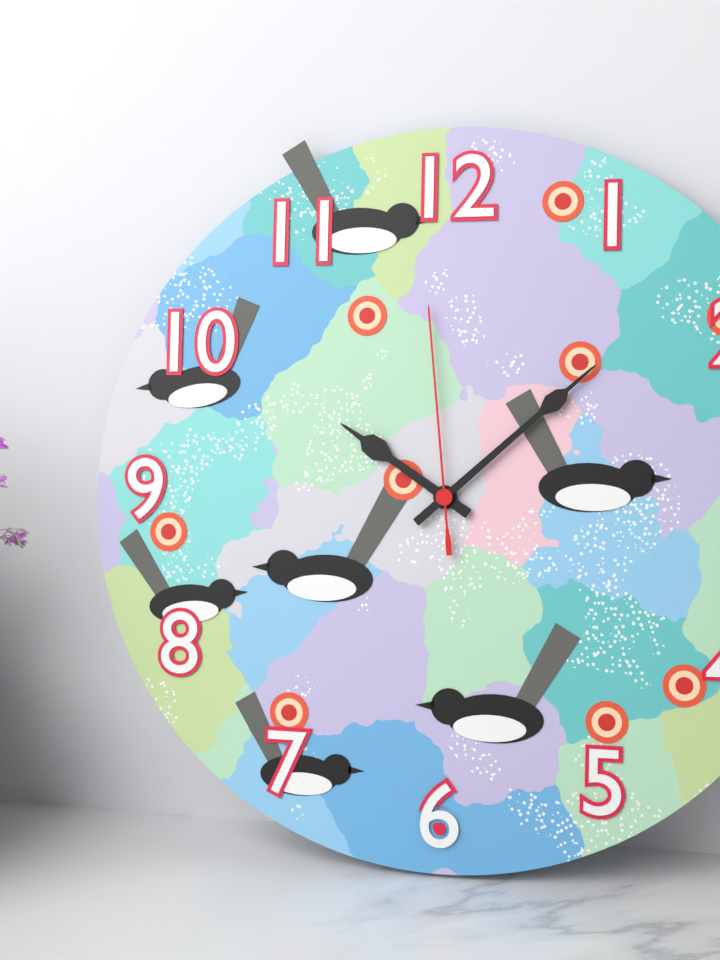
10:08:59
